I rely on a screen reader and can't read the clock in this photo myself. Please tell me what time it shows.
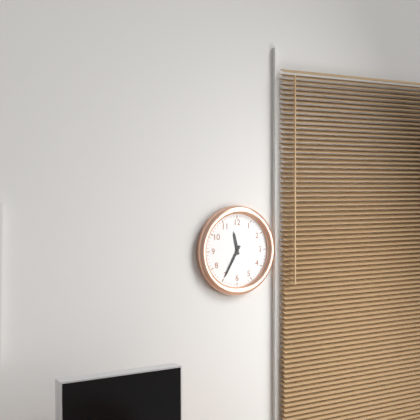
11:35
